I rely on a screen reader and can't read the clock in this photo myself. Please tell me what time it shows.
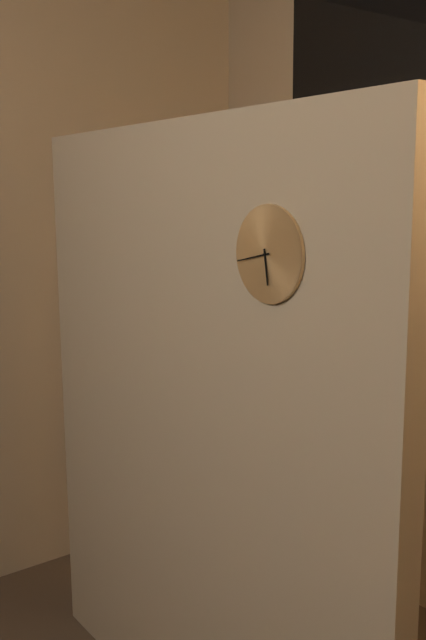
5:43
